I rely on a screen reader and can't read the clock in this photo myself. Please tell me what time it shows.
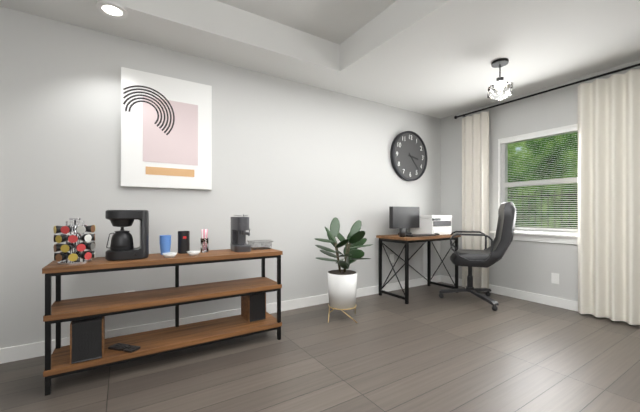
3:23
